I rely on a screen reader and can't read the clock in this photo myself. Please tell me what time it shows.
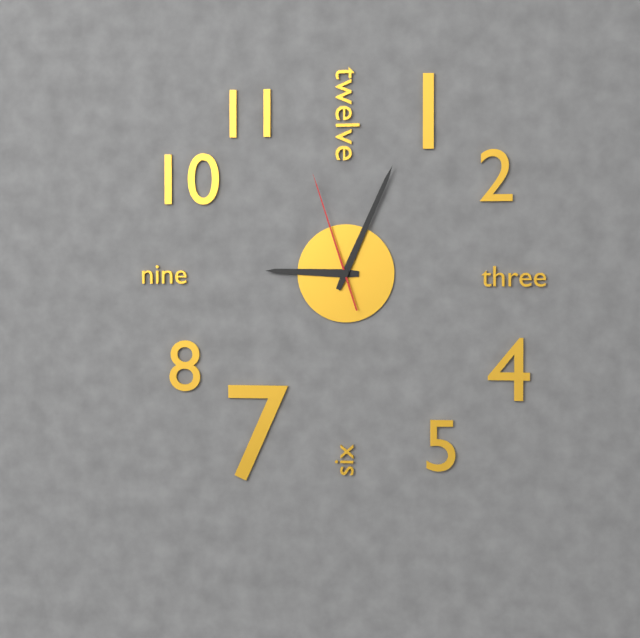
9:04:57
